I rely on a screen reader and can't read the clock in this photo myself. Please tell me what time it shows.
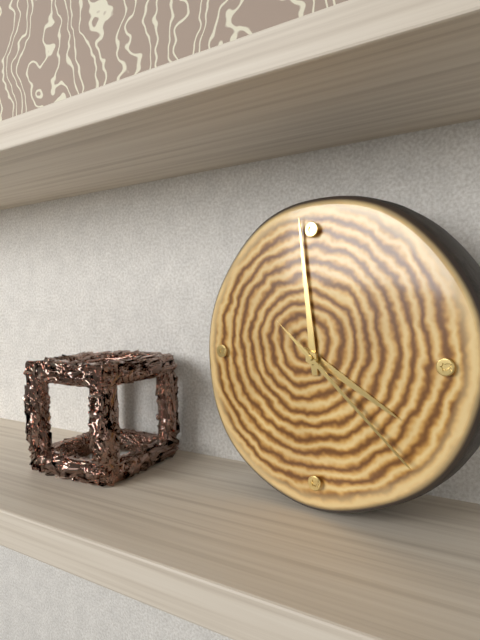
3:59:22
